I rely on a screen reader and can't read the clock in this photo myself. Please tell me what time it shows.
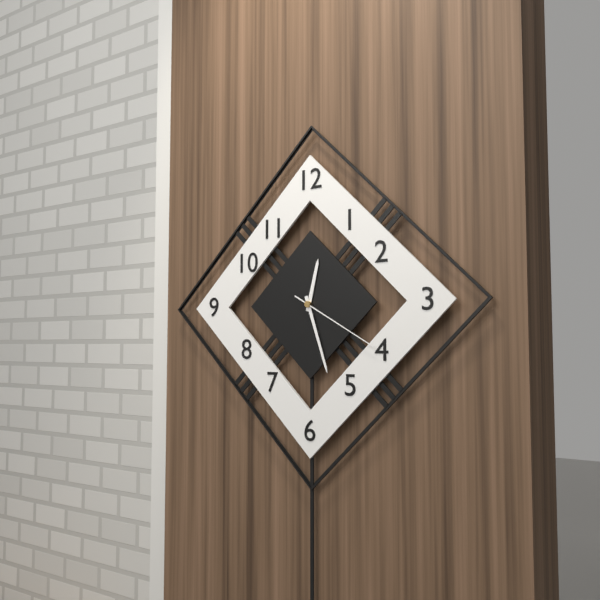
12:27:20
